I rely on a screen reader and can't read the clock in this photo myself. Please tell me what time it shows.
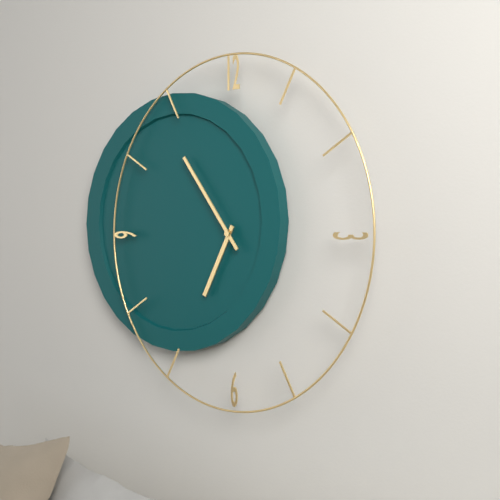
6:54
